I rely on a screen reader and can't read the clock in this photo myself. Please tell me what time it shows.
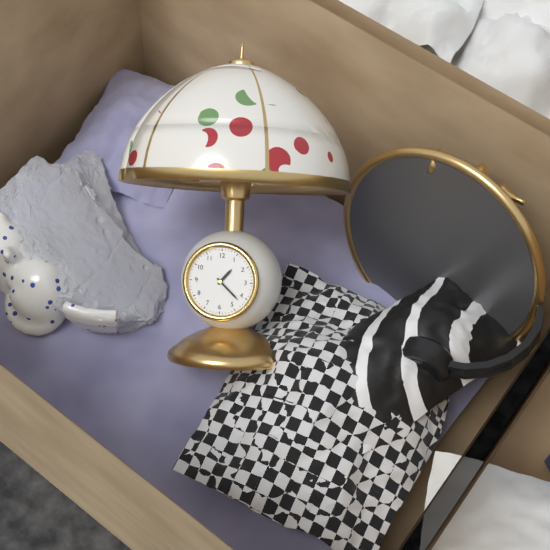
1:22
